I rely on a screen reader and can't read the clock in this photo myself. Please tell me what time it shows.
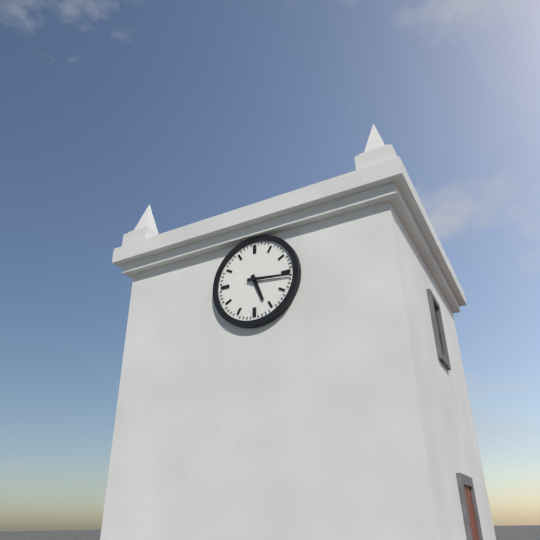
5:16
